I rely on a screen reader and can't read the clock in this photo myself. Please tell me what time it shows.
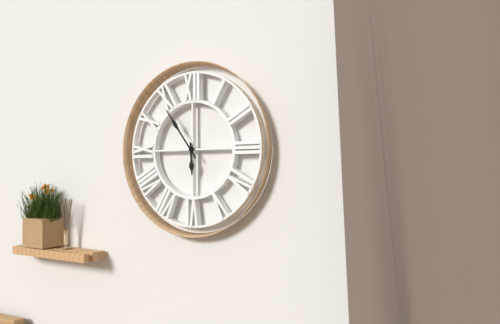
5:54
